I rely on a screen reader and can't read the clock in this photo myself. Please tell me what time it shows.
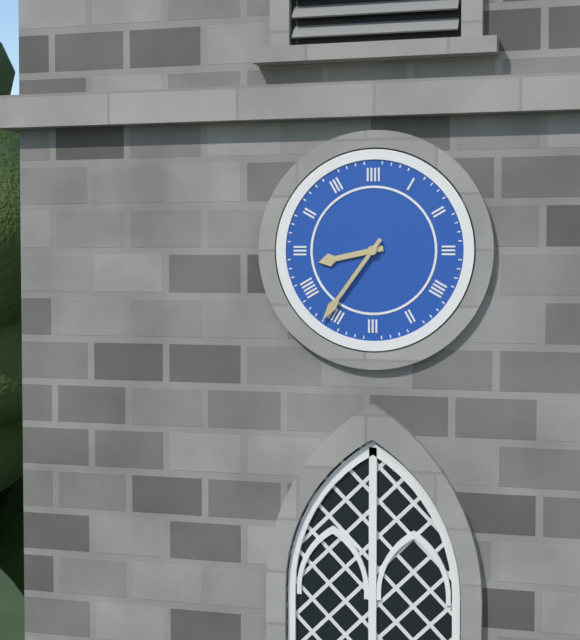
8:36
